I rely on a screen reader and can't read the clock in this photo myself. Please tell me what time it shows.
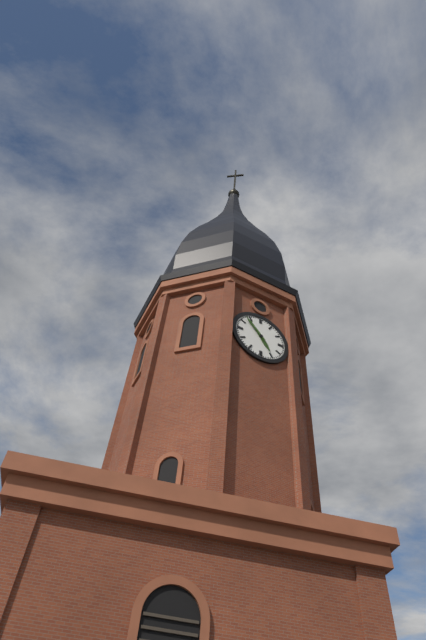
4:53
